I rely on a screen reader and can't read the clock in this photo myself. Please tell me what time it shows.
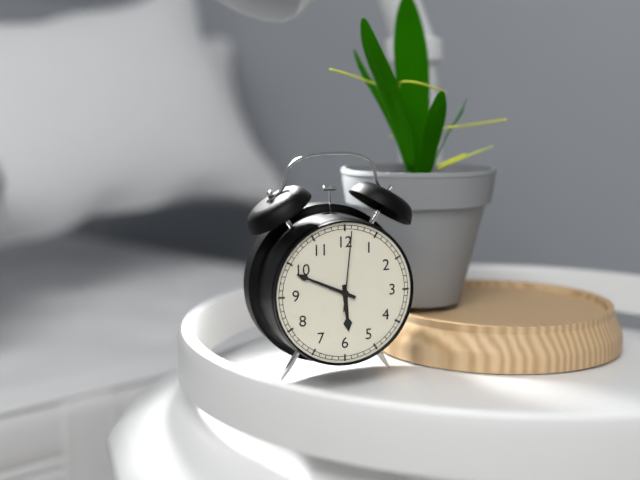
5:49:01
